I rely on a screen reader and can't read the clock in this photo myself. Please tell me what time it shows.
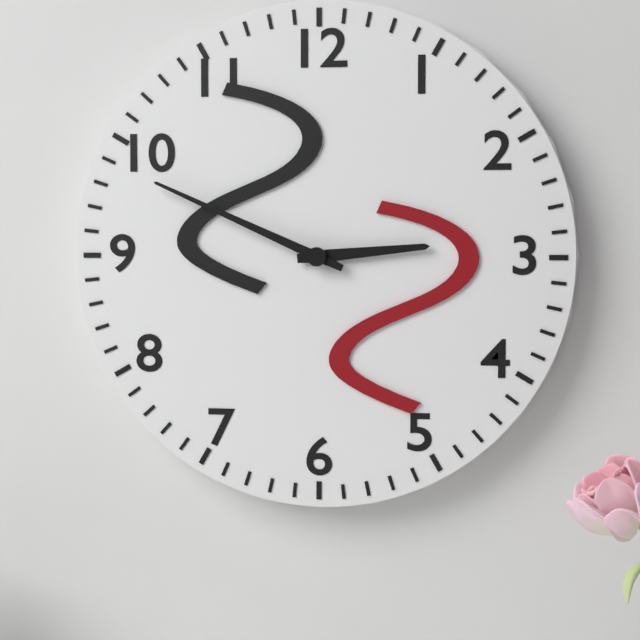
2:49
